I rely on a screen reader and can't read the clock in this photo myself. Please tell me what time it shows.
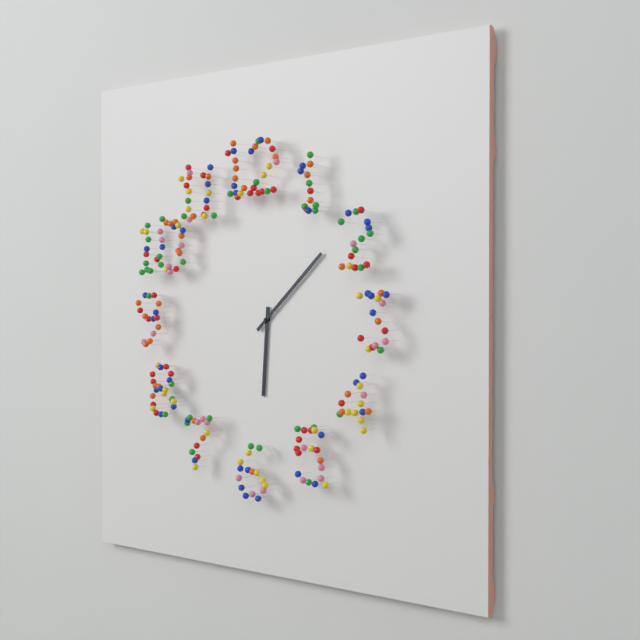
6:08
